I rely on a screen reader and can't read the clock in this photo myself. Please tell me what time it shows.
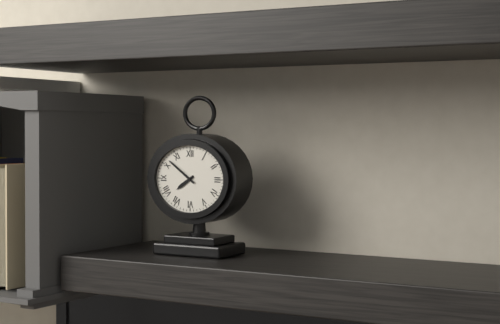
7:51
